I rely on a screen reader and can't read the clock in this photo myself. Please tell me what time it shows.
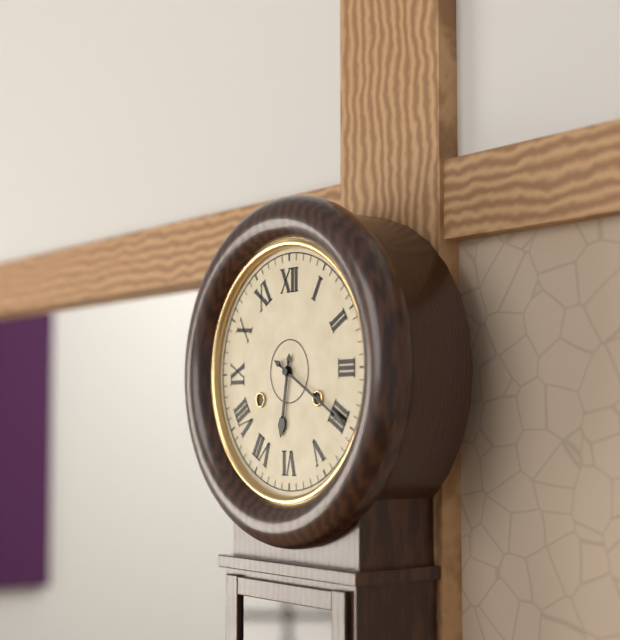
6:20
